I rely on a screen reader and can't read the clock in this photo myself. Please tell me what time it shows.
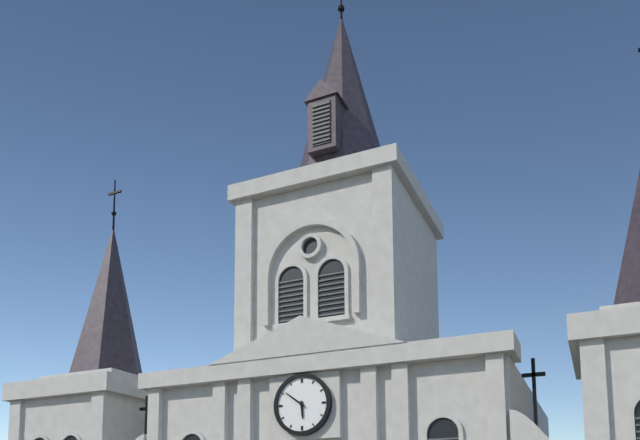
5:51
